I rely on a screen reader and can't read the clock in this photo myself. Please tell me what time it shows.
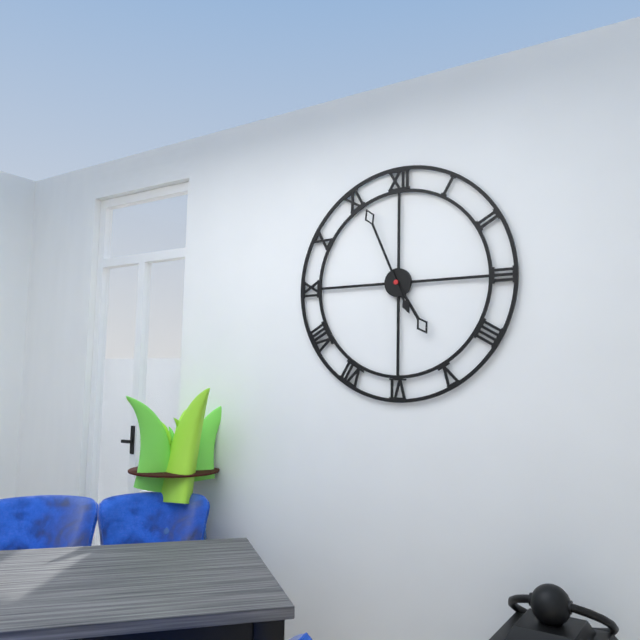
4:56
